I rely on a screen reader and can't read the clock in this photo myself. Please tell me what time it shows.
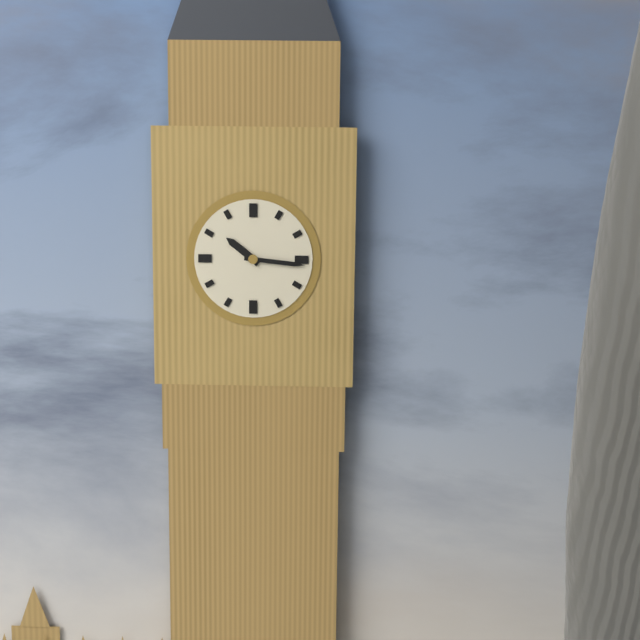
10:16
